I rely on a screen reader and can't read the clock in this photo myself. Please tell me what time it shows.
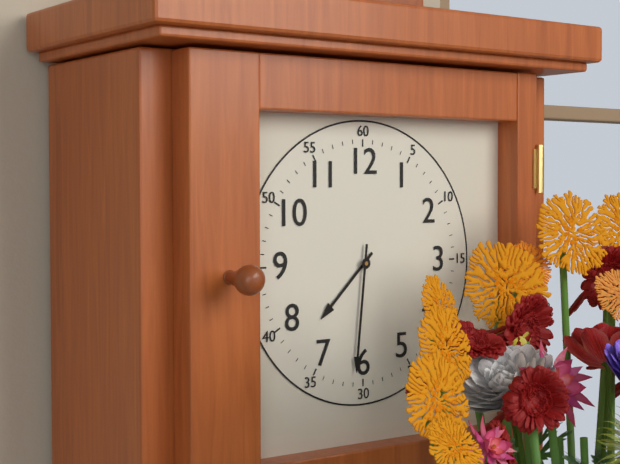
7:31
